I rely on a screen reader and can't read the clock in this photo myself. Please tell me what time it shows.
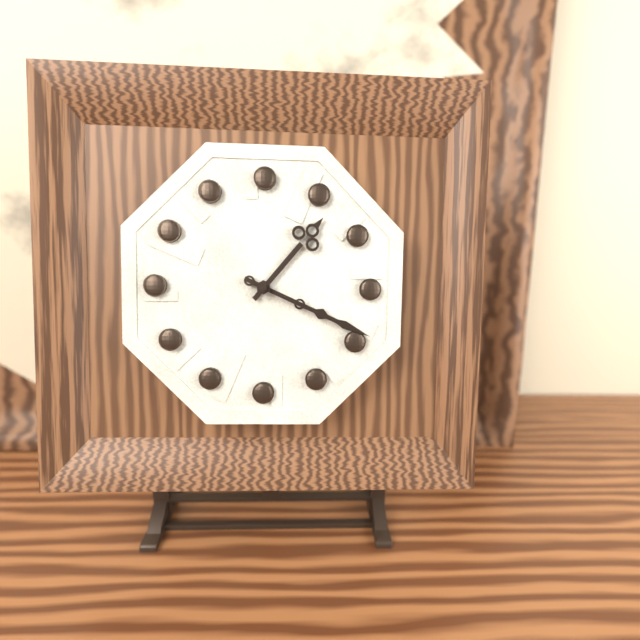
1:19
